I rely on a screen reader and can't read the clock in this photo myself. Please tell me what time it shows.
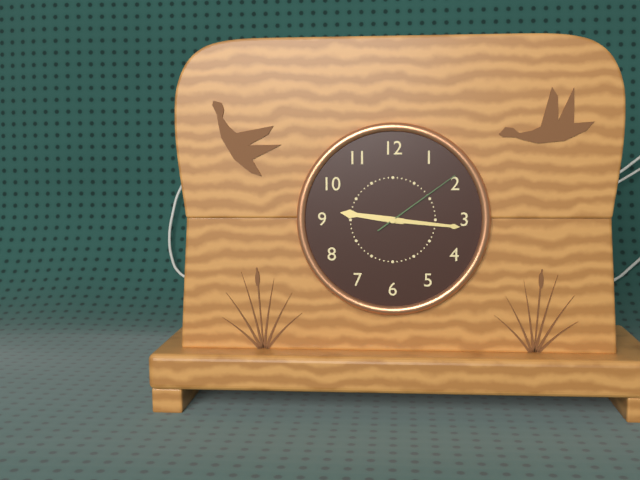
9:16:09
